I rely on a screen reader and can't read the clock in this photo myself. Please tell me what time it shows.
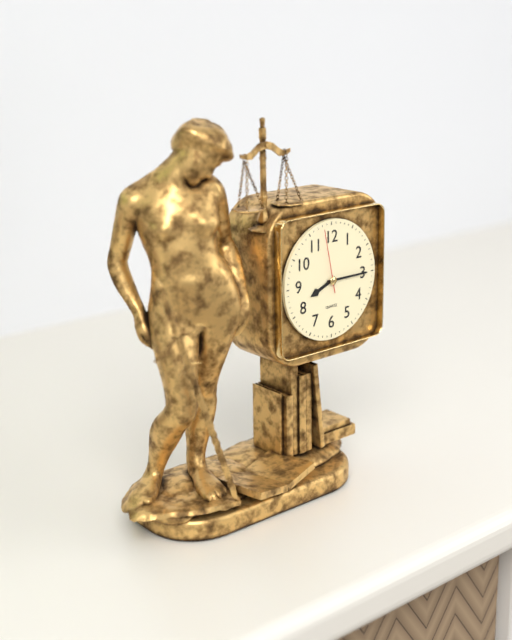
8:15:58
